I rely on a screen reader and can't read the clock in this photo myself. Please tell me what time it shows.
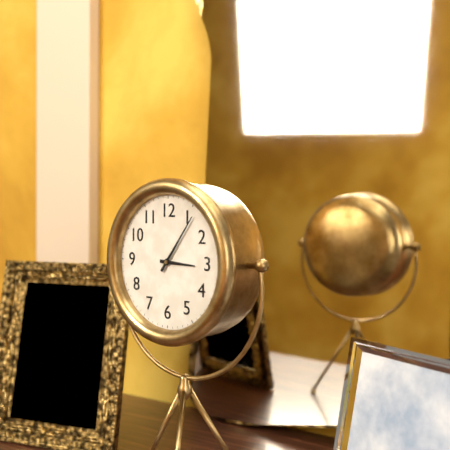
3:06
